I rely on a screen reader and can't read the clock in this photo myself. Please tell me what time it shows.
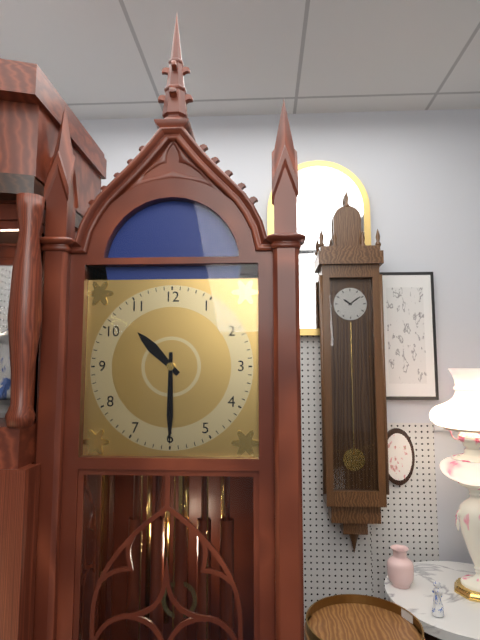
10:30
